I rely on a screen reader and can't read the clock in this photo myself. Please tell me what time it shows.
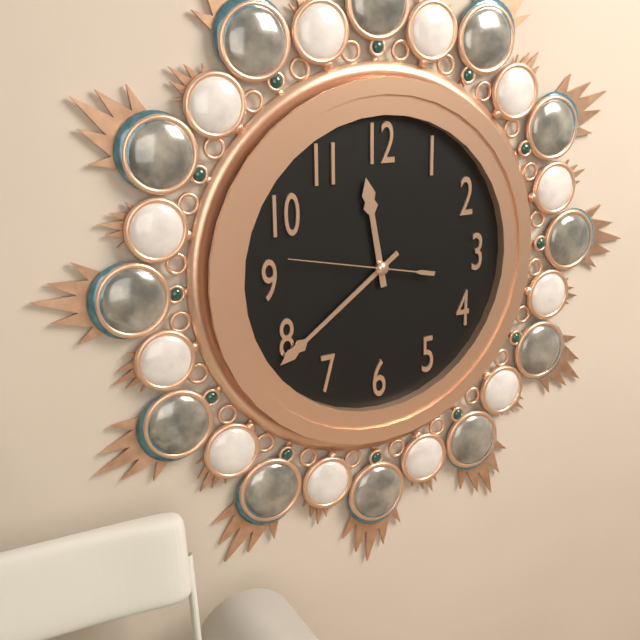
11:39:47
